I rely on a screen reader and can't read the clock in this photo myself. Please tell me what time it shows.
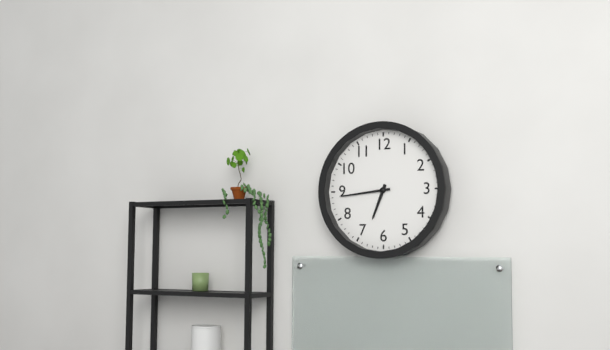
6:44
